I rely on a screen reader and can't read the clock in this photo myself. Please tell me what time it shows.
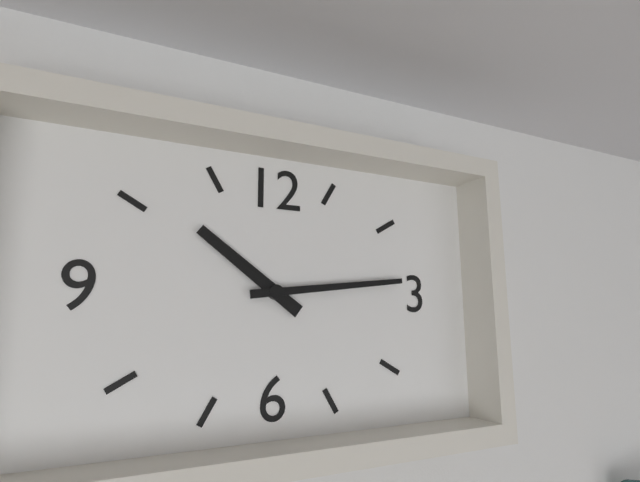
10:14
